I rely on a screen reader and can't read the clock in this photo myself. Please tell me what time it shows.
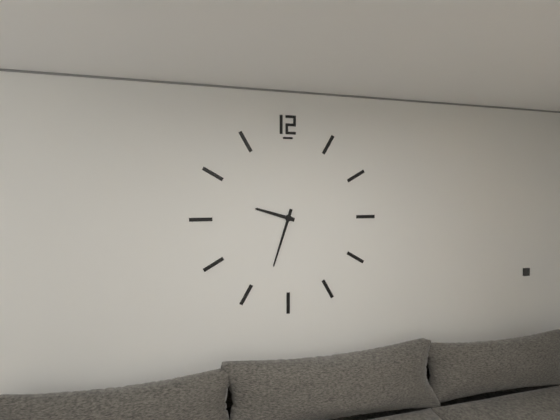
9:33
